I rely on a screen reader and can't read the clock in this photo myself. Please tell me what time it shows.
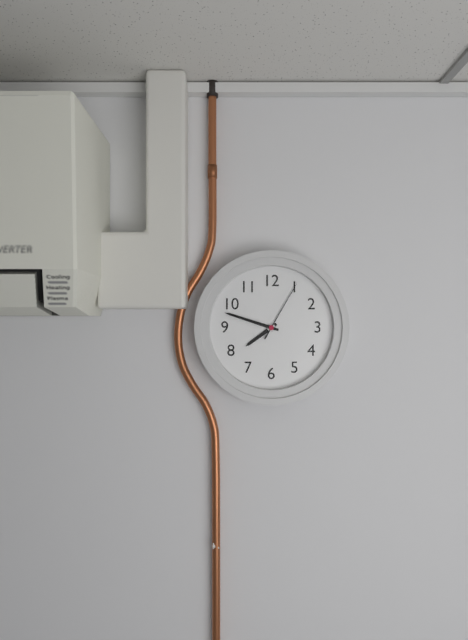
7:48:05
